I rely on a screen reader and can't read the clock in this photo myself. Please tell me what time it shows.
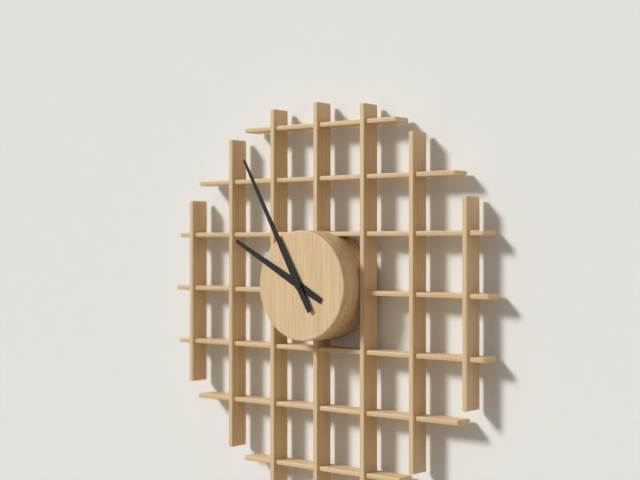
9:55
